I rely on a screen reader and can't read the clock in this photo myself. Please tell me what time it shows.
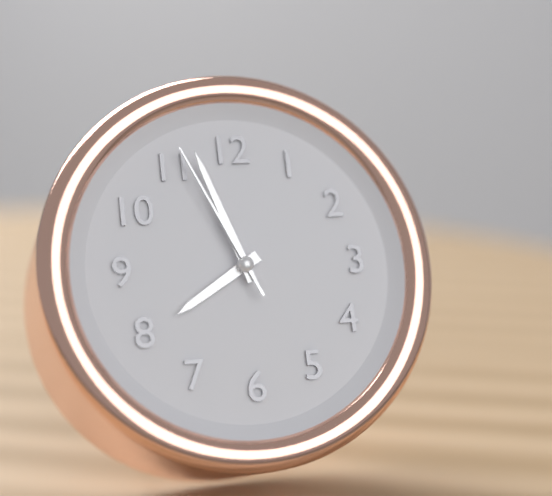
7:57:56
